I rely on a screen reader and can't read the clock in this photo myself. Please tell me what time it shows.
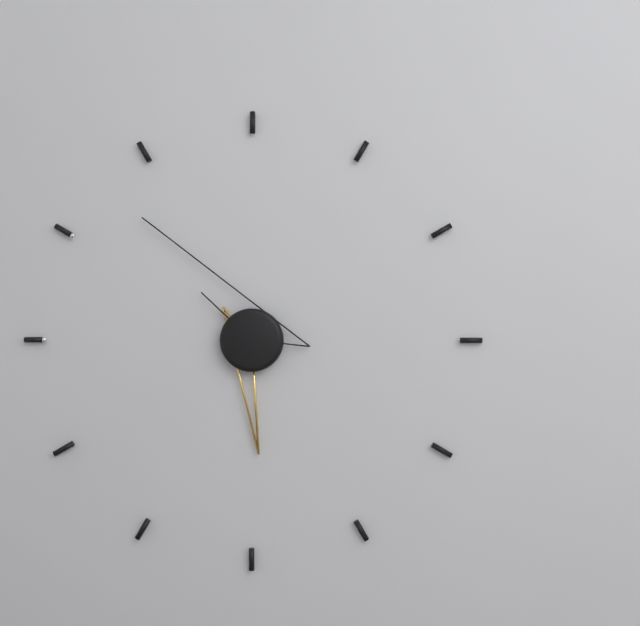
5:53
